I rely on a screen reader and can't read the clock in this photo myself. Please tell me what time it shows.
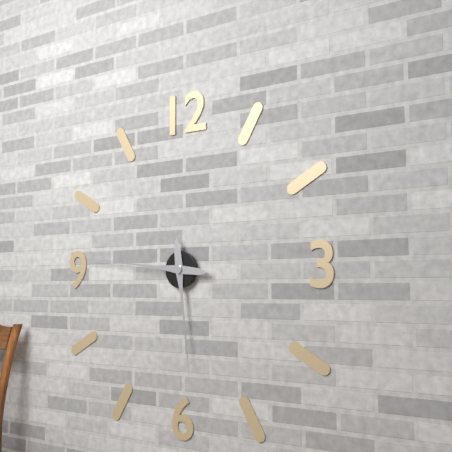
5:46
